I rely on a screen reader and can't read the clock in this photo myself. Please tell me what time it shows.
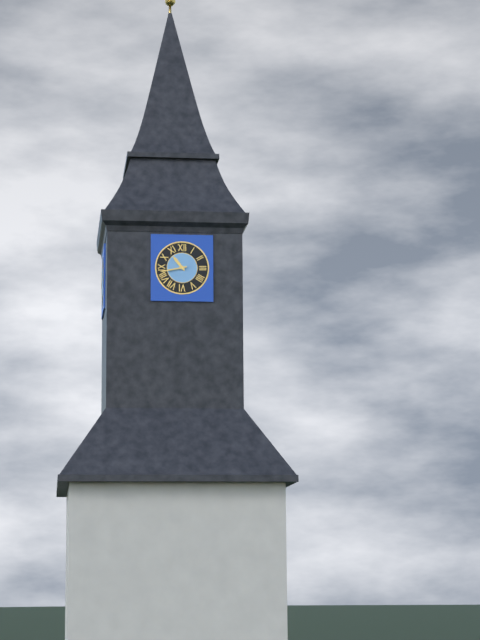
10:43
